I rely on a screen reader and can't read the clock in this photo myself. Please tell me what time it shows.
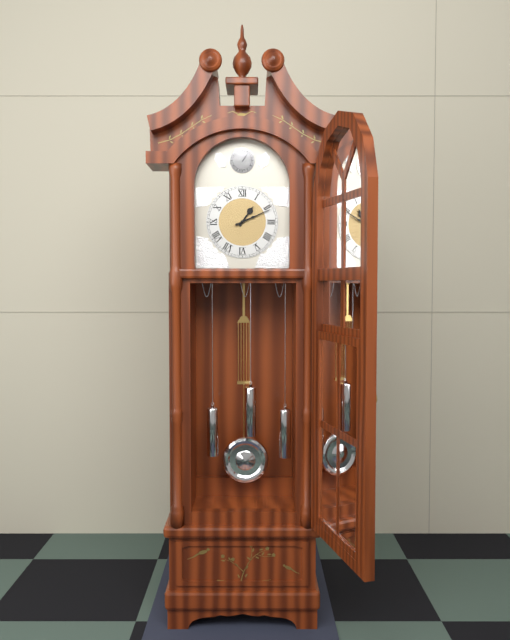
1:11
